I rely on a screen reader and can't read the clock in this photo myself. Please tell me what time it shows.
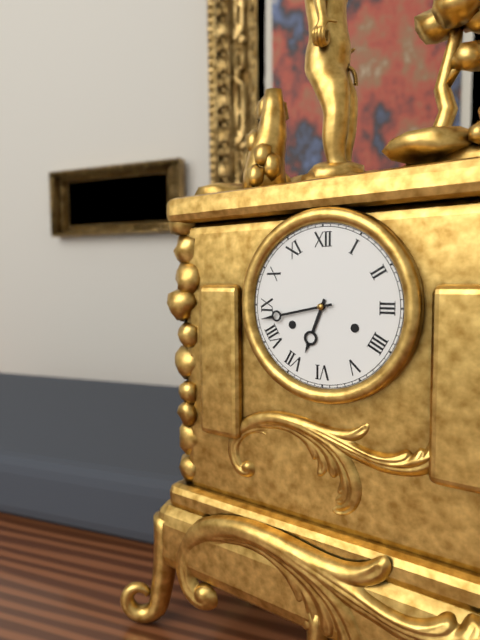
6:43
